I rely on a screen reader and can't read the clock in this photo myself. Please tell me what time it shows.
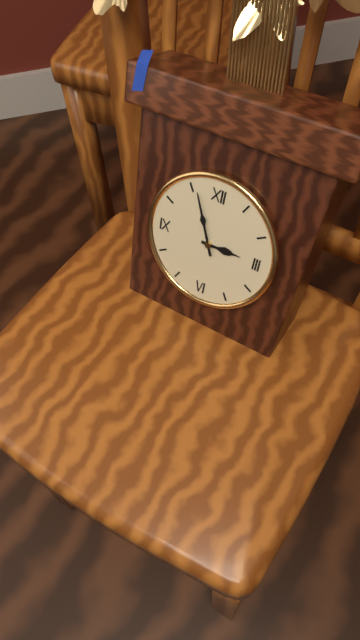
2:56
